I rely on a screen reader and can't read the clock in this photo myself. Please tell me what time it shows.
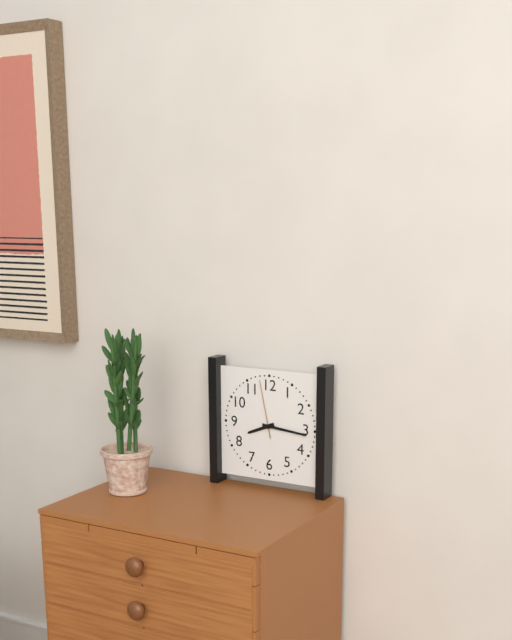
8:16:58
